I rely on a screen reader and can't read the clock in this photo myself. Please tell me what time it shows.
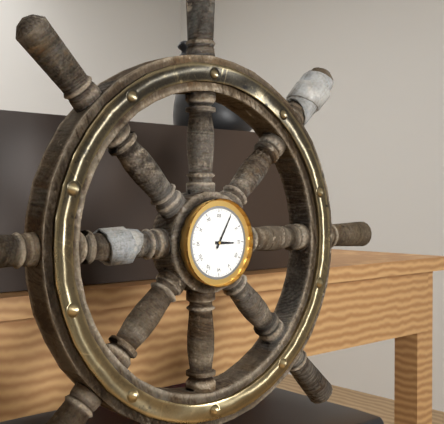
3:05
